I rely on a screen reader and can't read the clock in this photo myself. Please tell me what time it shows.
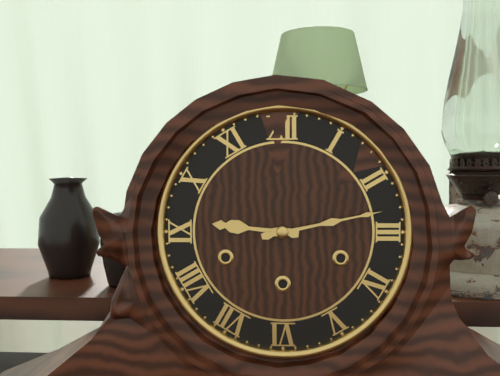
9:13
